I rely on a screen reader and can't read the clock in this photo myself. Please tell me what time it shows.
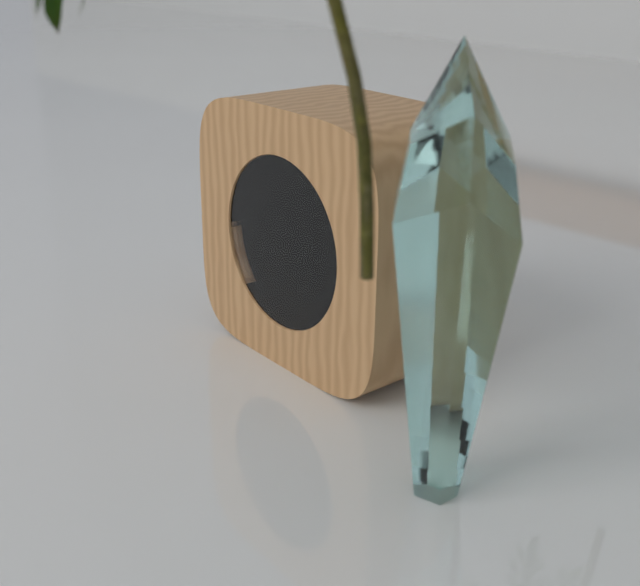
12:48:45
